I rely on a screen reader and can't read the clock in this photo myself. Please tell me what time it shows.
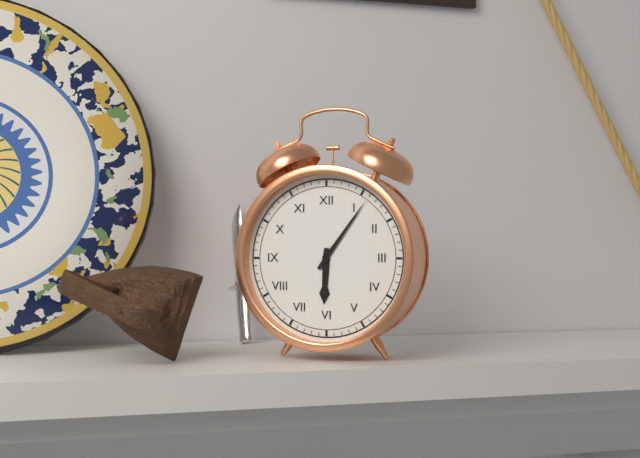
6:06
